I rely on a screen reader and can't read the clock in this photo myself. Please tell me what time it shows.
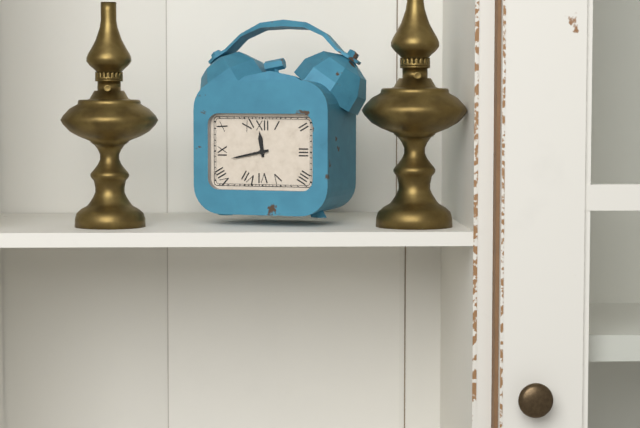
11:43
